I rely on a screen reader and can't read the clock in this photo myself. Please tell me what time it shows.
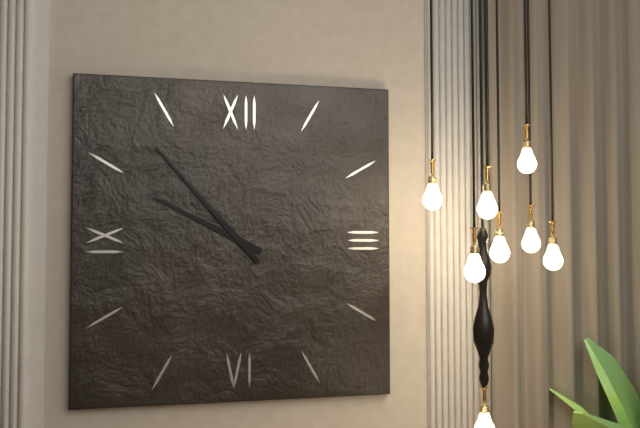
9:53
